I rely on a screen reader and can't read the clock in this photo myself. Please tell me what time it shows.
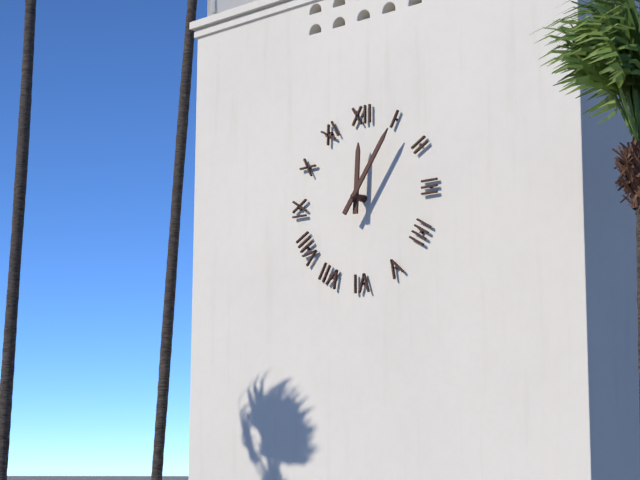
12:06
